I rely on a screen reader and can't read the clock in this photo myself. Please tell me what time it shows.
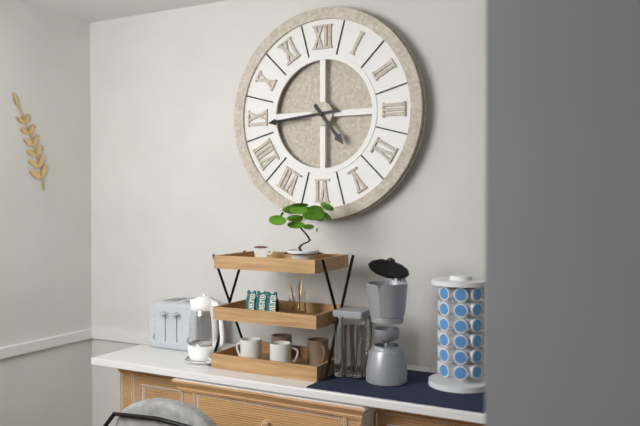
4:44
